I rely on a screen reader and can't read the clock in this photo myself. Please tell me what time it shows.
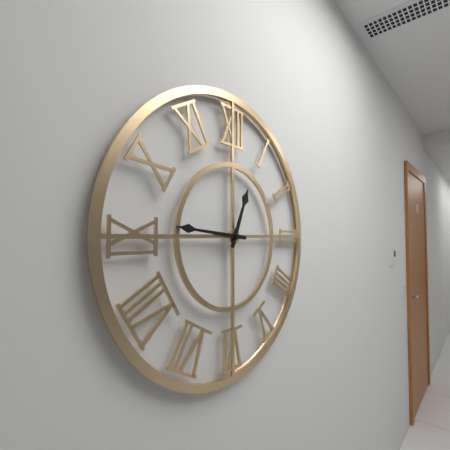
12:46
